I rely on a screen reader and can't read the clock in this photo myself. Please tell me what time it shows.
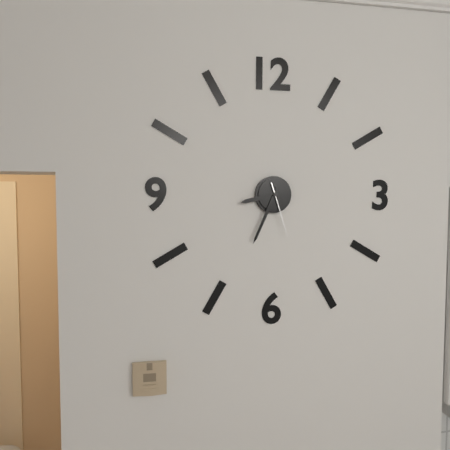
8:34:27
